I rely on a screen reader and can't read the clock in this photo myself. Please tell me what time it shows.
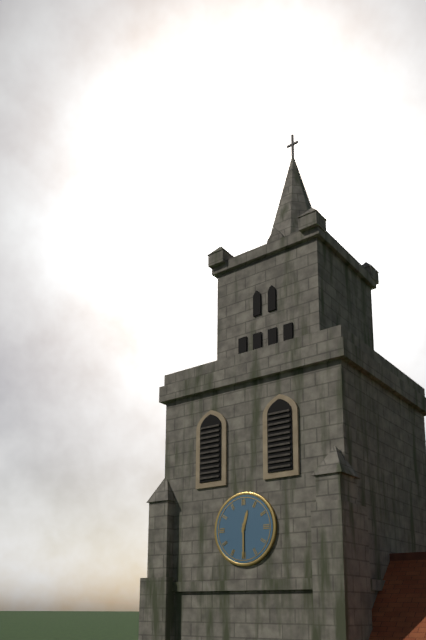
12:30
